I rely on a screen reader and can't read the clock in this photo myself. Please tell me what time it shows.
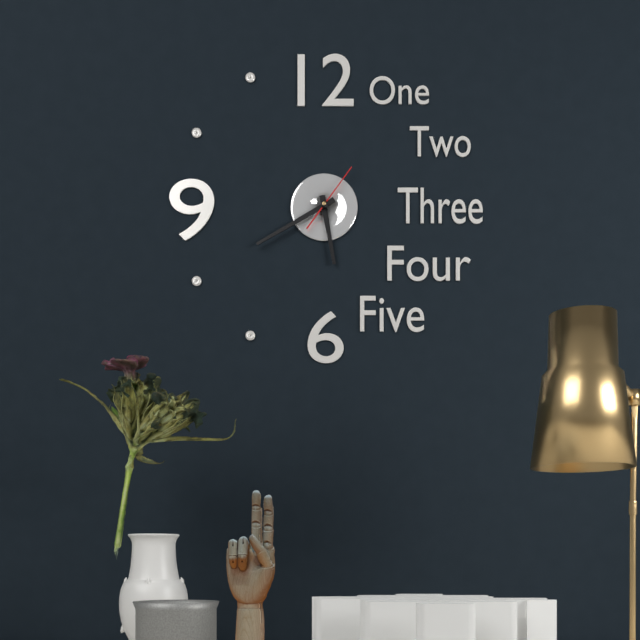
5:40:06
